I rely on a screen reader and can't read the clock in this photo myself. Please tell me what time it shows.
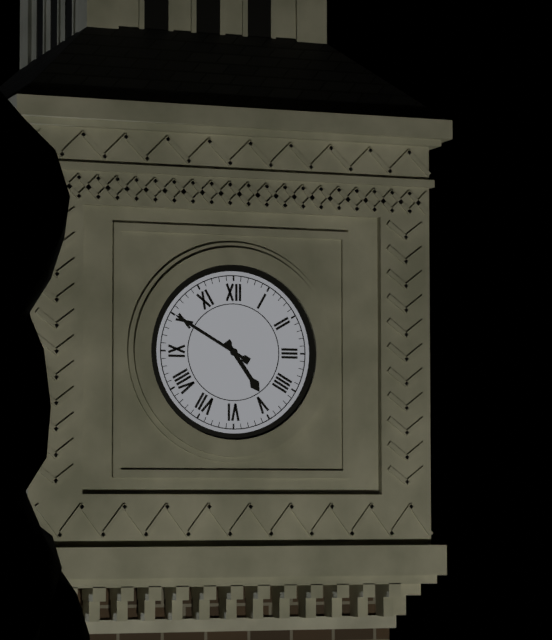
4:50
